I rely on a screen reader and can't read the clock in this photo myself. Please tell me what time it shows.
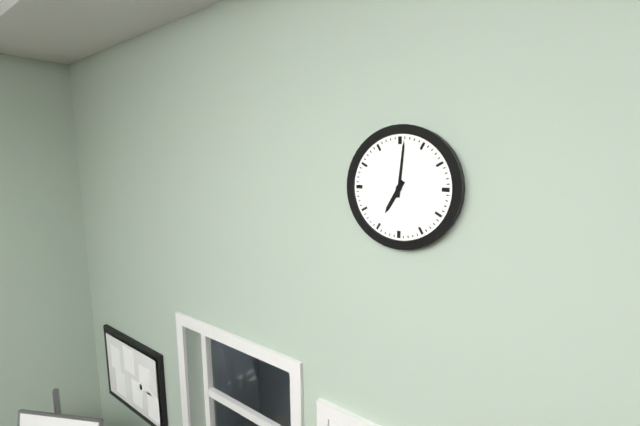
7:01
